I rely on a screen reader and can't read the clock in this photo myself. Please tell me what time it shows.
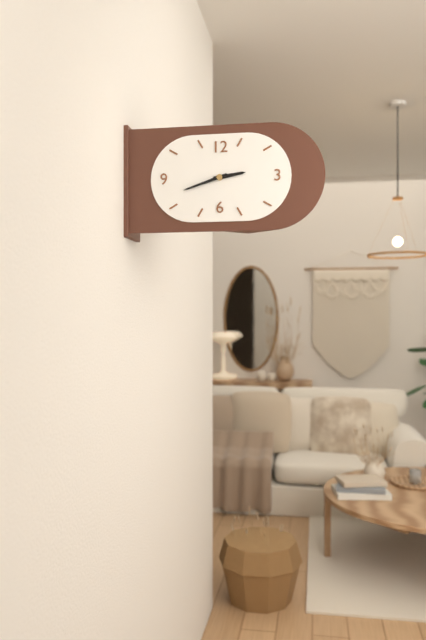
2:42
